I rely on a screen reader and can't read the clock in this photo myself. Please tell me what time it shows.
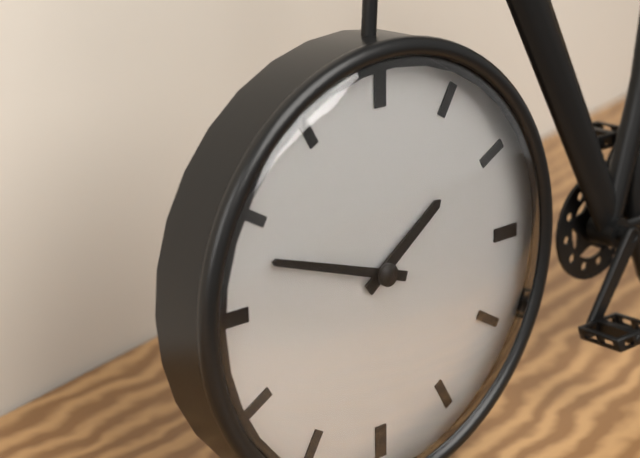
1:48
